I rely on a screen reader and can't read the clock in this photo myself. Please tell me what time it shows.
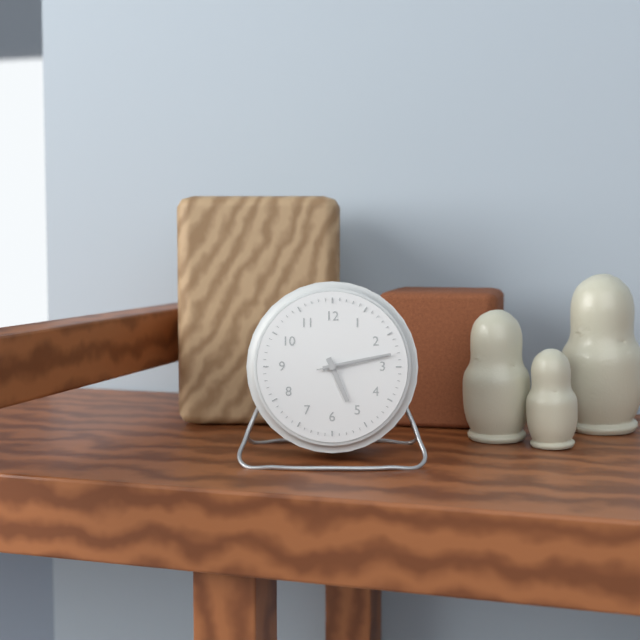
5:13:13
